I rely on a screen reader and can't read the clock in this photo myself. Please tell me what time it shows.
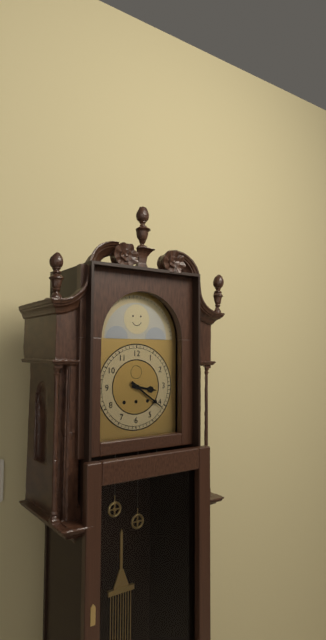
3:21
